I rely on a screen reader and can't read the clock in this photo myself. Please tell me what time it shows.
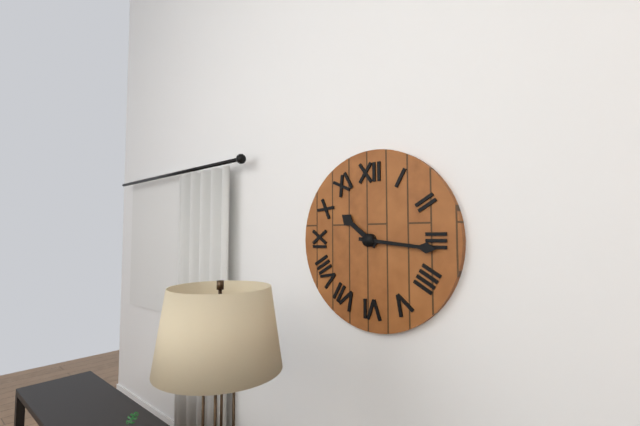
10:16
